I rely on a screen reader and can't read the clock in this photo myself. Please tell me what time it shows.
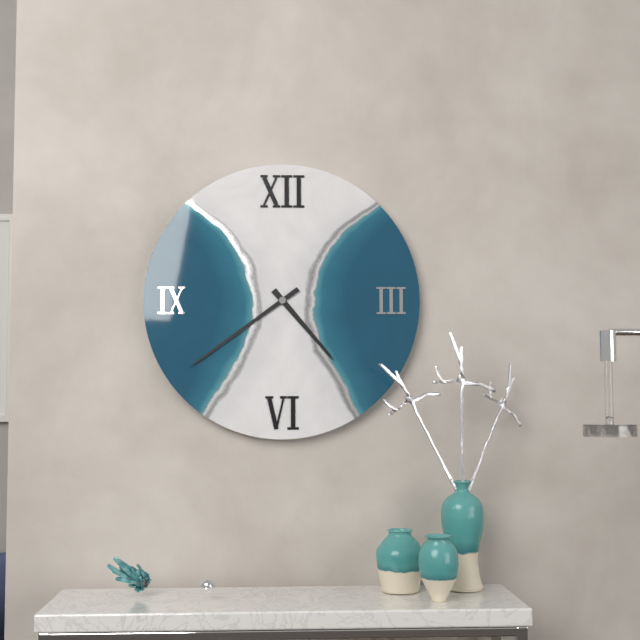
4:39
